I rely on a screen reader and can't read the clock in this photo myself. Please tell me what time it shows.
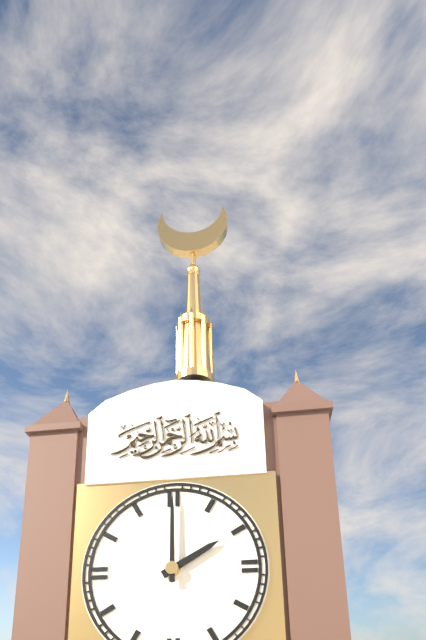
2:00
